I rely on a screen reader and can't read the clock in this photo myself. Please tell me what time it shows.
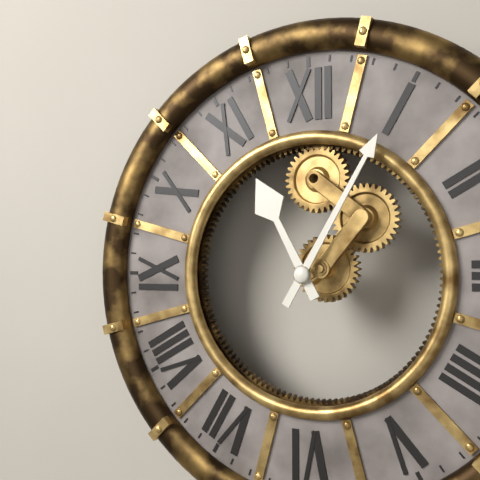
11:05
